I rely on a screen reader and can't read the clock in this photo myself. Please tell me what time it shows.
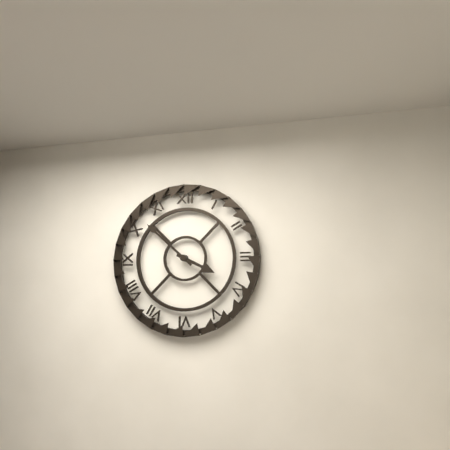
3:52
